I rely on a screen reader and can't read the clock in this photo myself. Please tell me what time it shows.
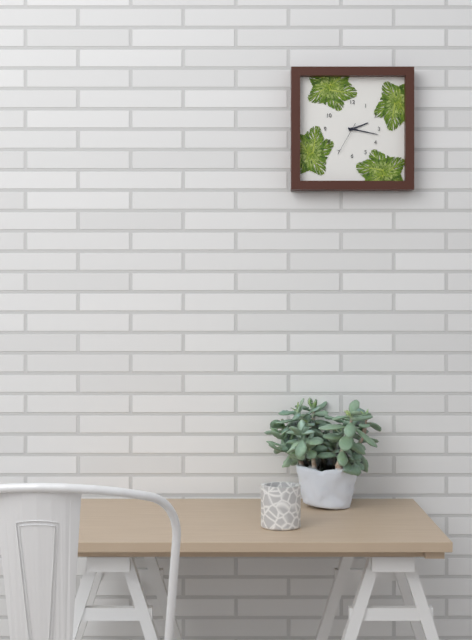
2:17
